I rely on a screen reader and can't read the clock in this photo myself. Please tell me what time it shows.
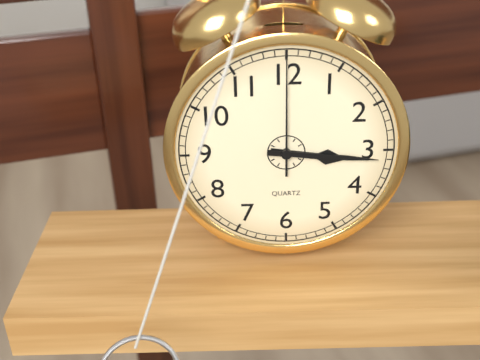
3:16:00
